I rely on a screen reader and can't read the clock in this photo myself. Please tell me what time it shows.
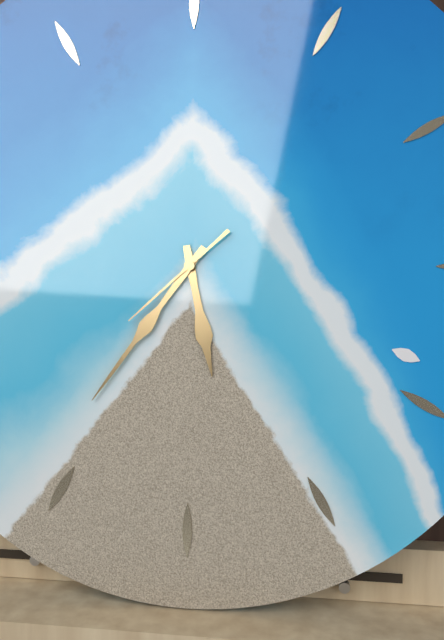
5:36:38
